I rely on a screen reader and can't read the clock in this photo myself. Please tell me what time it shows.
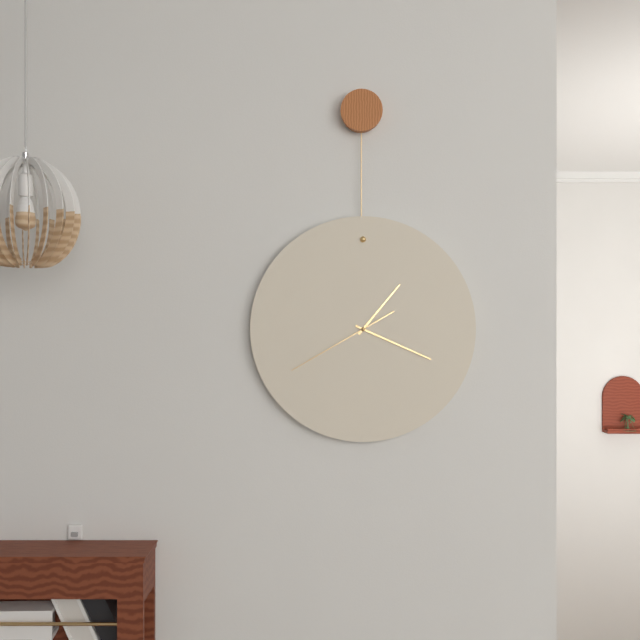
1:19:40
